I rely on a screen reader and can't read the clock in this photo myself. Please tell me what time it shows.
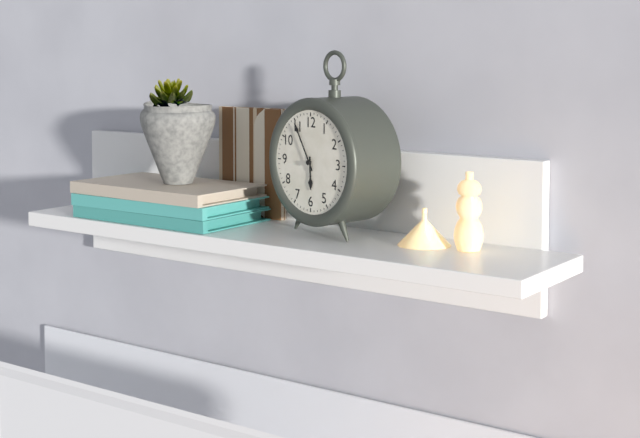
5:55
